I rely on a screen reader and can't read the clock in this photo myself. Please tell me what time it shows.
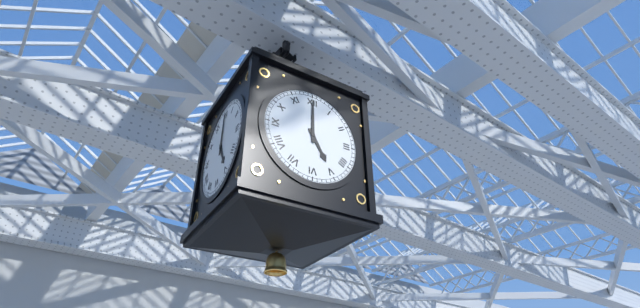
5:00
